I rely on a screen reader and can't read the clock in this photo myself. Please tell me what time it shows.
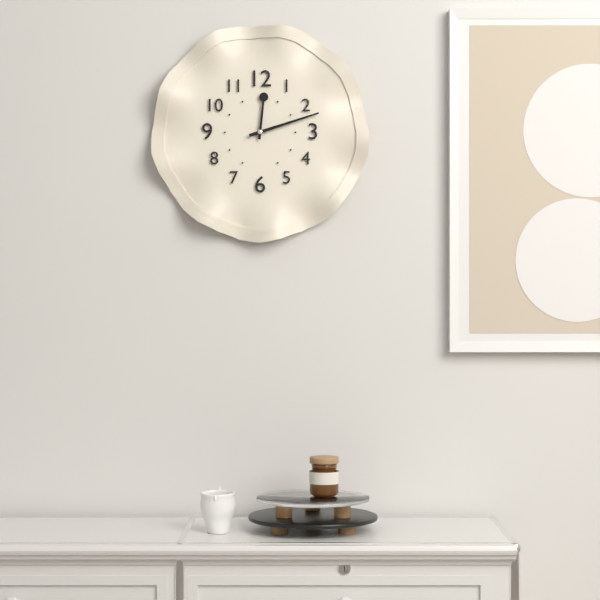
12:12
